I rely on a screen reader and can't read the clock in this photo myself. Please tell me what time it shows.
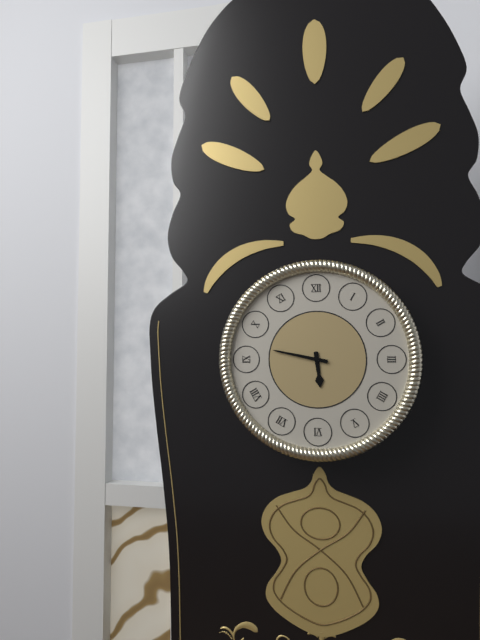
5:47
